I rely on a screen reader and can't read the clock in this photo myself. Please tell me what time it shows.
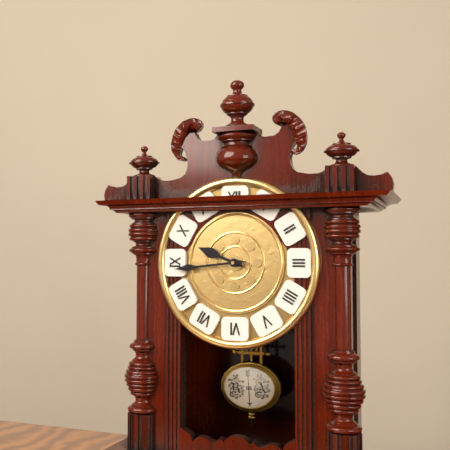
9:44
